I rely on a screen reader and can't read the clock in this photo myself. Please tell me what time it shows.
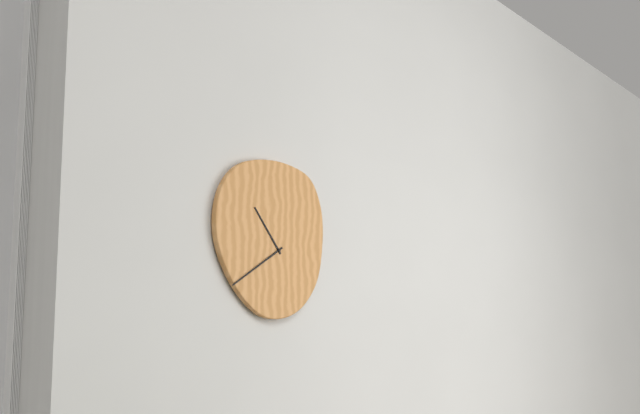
10:40
